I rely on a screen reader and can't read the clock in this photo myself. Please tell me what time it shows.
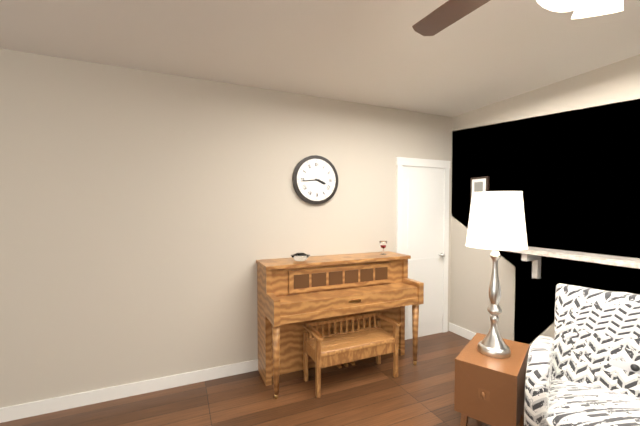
3:44
